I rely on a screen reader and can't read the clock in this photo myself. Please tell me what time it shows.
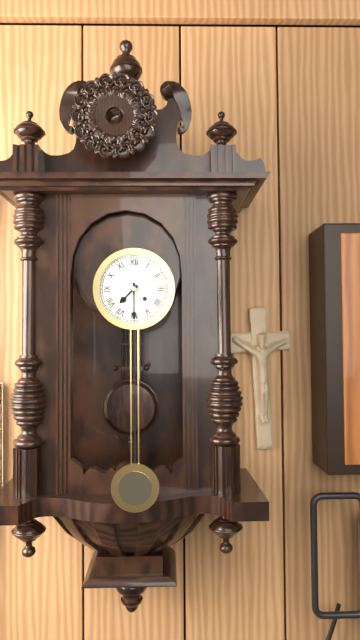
7:30
